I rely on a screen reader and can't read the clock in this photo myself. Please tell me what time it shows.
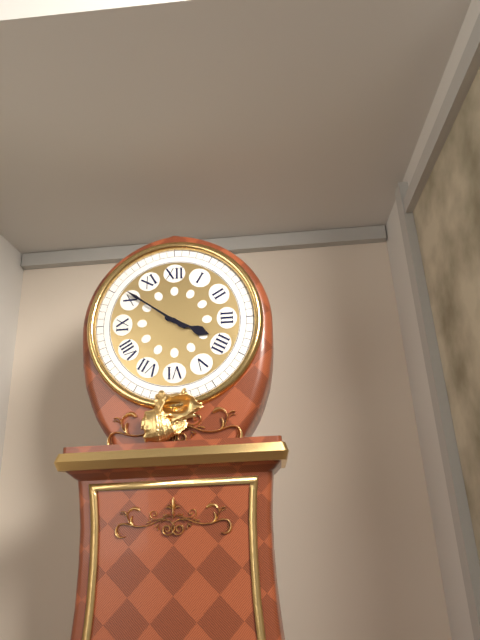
3:51
